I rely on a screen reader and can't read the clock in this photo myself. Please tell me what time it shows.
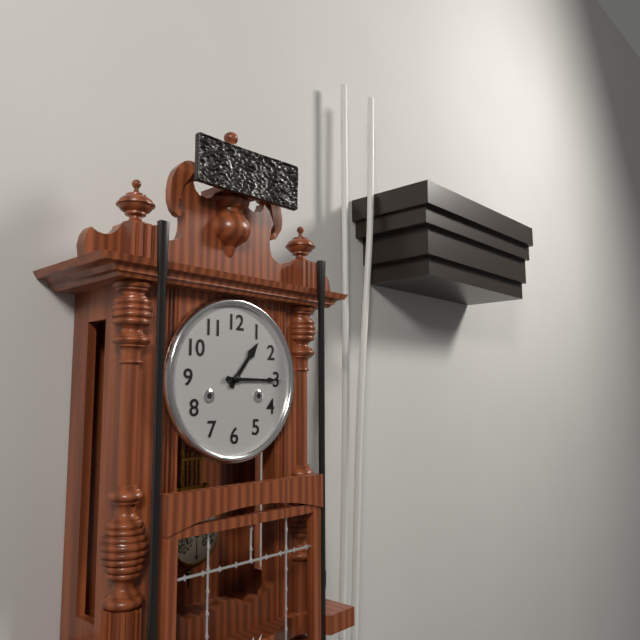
1:15
